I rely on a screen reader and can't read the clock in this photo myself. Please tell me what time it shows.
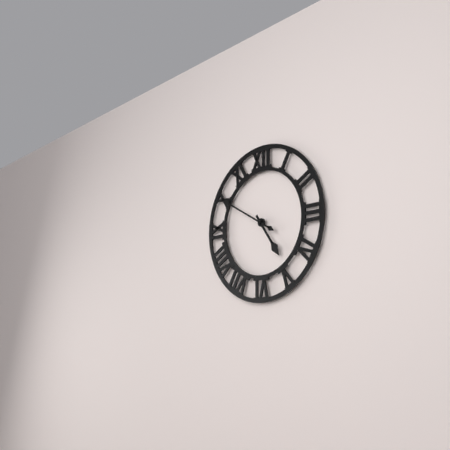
4:50
